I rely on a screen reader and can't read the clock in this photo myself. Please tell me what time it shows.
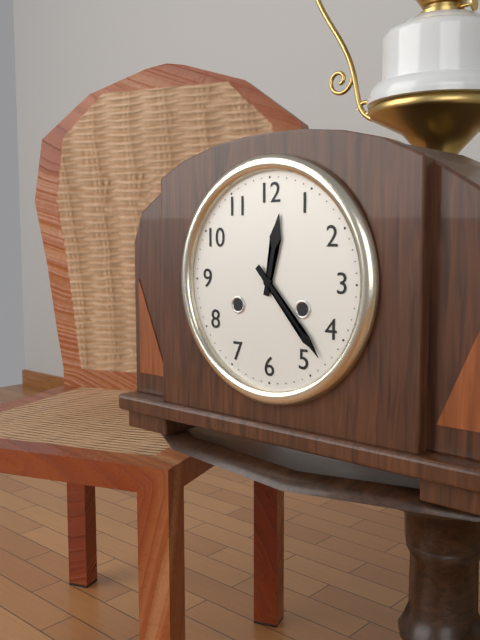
12:23
